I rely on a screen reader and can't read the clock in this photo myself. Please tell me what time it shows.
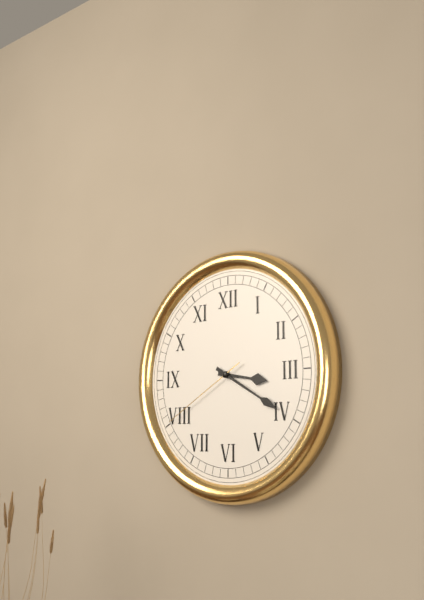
3:20:40
